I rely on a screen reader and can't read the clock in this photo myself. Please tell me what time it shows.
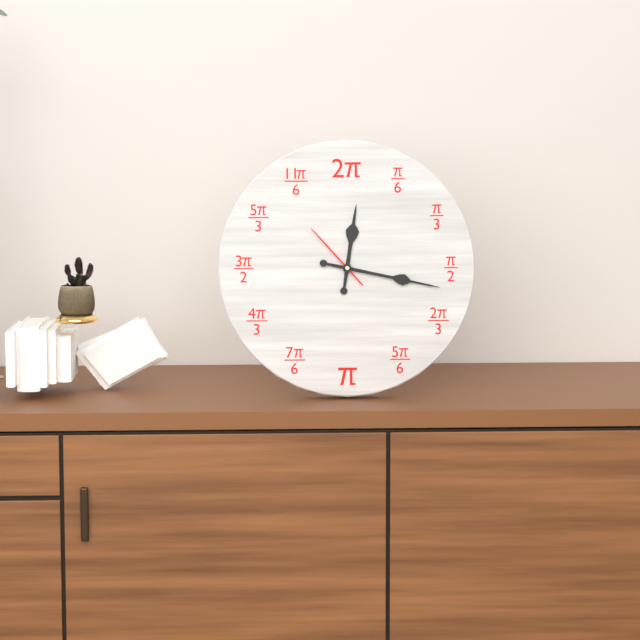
12:17:53
